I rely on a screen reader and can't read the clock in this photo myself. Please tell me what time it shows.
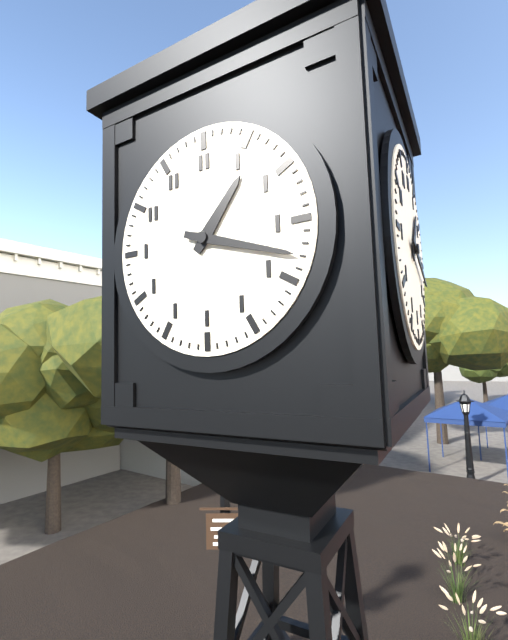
1:18
